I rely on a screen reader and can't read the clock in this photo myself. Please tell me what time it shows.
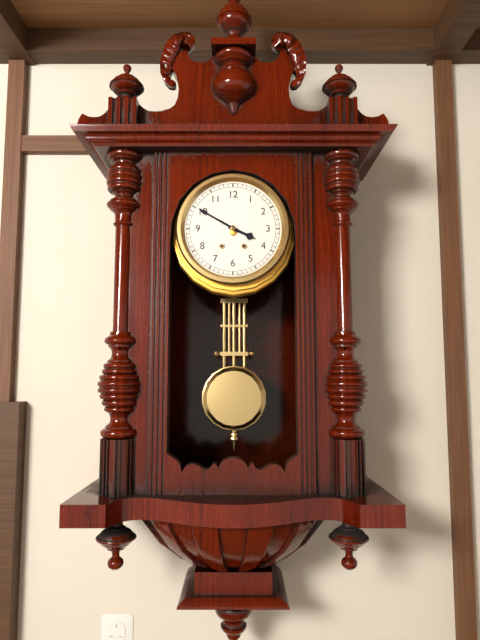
3:50
